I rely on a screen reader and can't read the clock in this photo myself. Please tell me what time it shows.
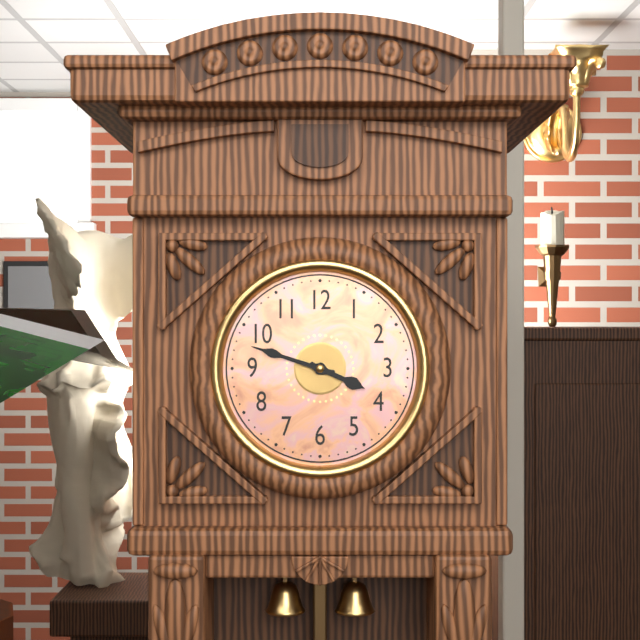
3:48
